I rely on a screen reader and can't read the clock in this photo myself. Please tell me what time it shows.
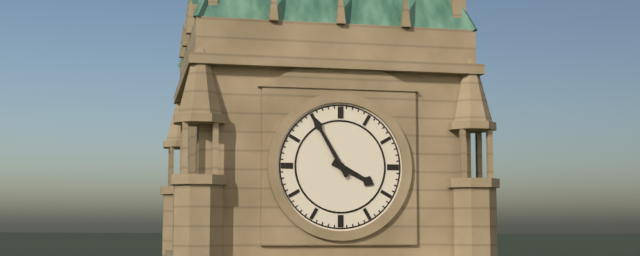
3:55
